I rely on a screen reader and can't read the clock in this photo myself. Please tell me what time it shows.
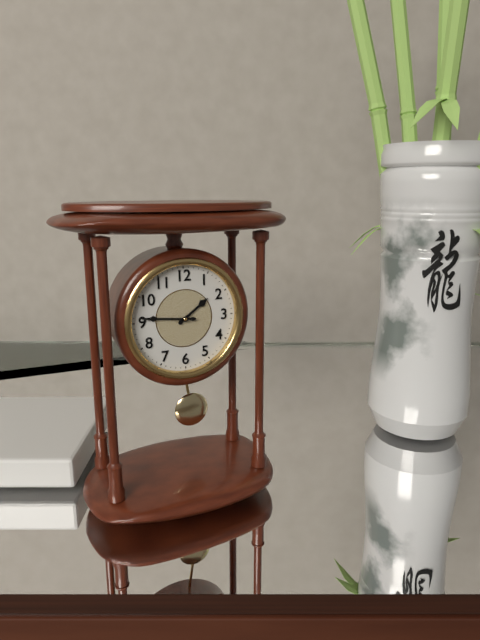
1:46
